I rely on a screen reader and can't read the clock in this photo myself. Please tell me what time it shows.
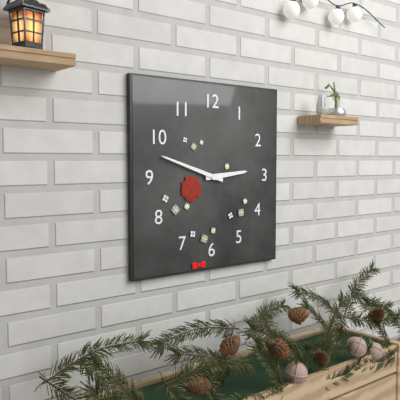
2:48
